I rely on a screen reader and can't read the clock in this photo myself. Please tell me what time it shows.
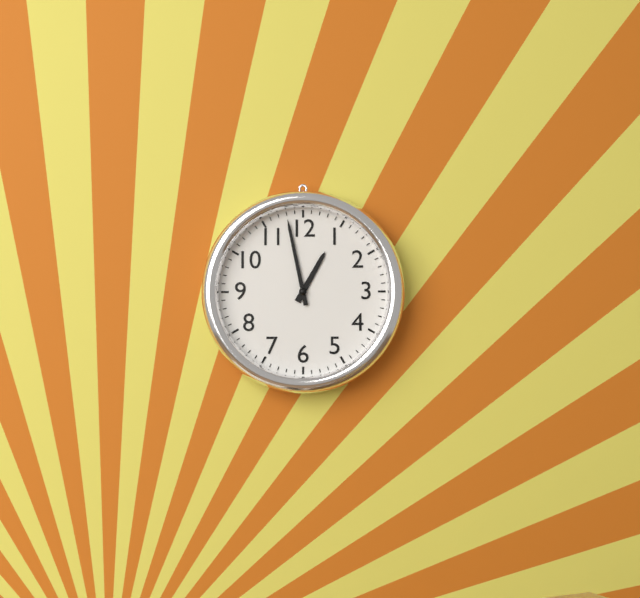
12:58
